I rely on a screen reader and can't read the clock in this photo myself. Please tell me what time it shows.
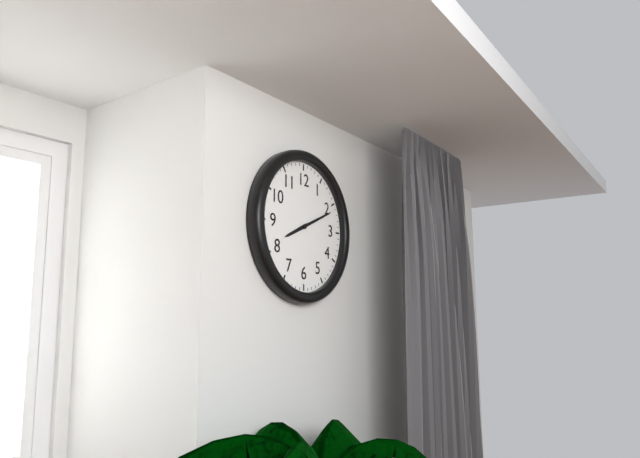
8:11
